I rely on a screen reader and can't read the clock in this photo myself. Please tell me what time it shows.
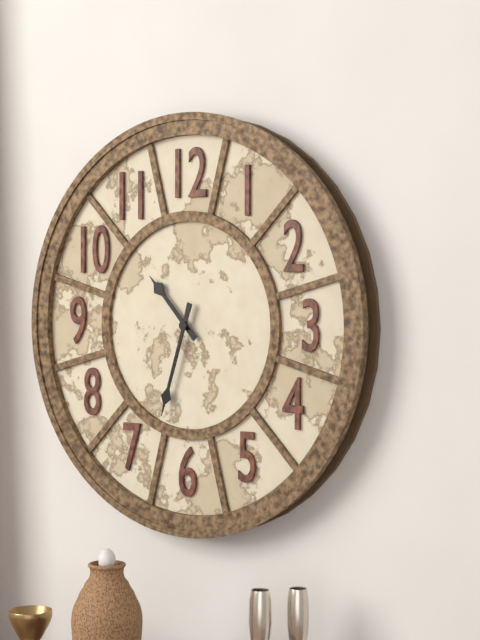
10:33
